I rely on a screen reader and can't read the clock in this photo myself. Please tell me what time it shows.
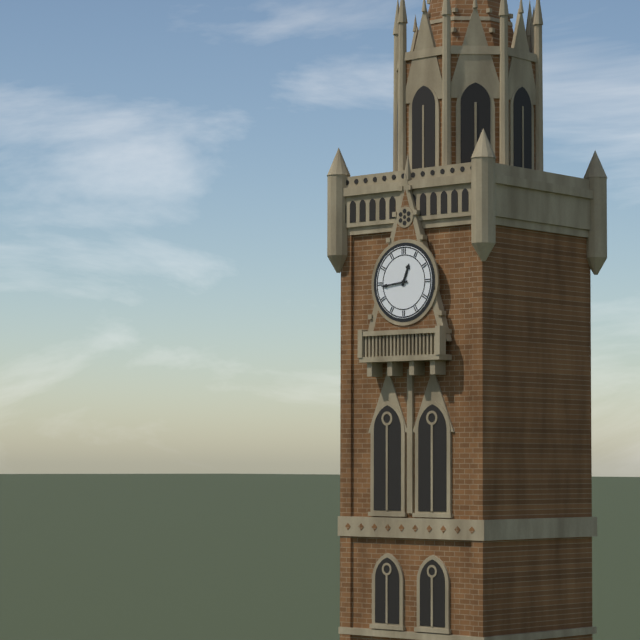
12:44
